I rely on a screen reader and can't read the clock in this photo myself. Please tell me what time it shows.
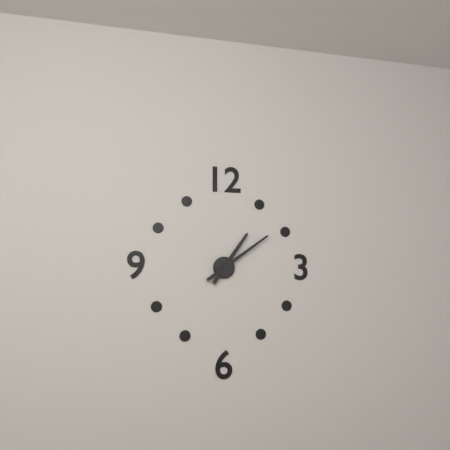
1:09
